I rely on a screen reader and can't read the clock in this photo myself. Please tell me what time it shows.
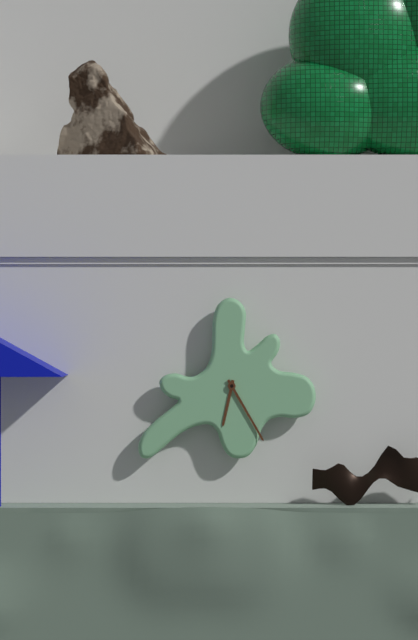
6:25
